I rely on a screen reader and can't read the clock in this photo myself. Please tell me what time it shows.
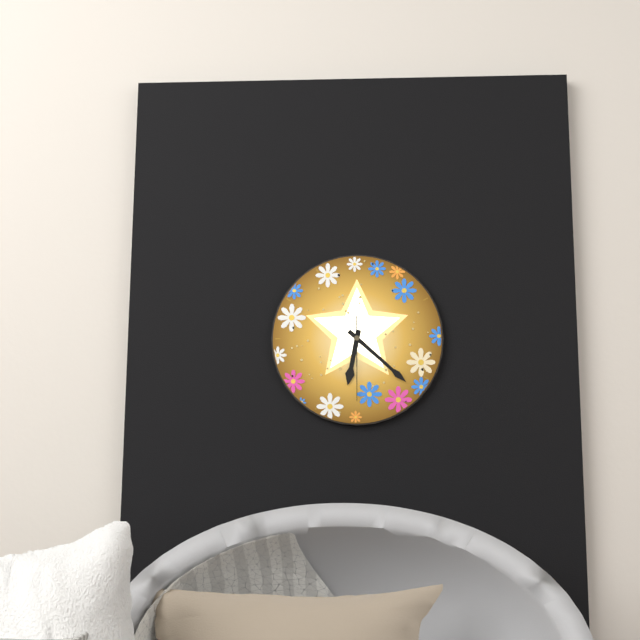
6:22:30
